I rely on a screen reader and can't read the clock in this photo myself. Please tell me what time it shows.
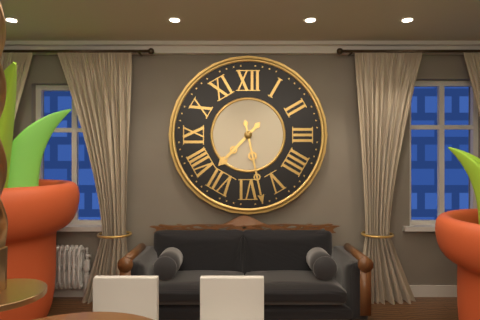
7:28
